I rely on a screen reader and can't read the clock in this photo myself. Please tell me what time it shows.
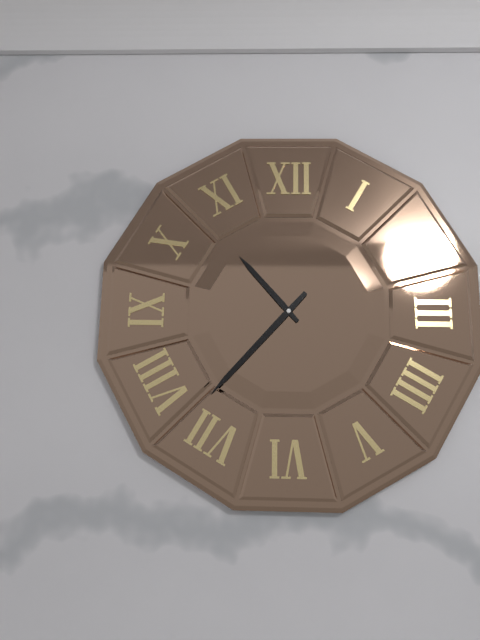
10:37
